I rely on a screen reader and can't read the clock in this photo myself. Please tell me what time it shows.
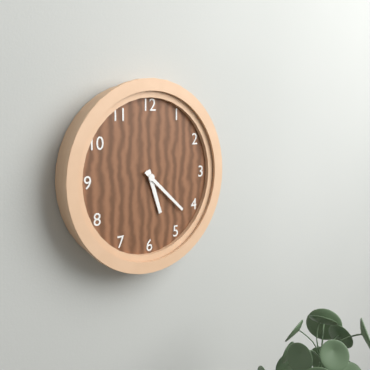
5:22
